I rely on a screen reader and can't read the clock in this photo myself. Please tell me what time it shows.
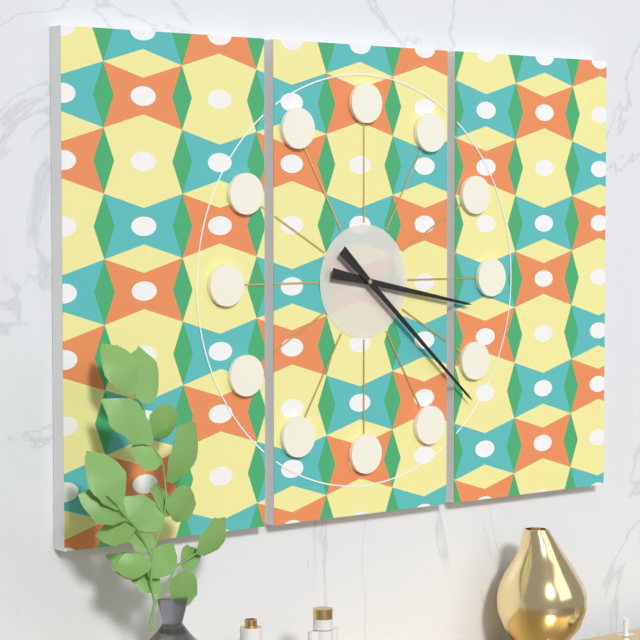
3:22
